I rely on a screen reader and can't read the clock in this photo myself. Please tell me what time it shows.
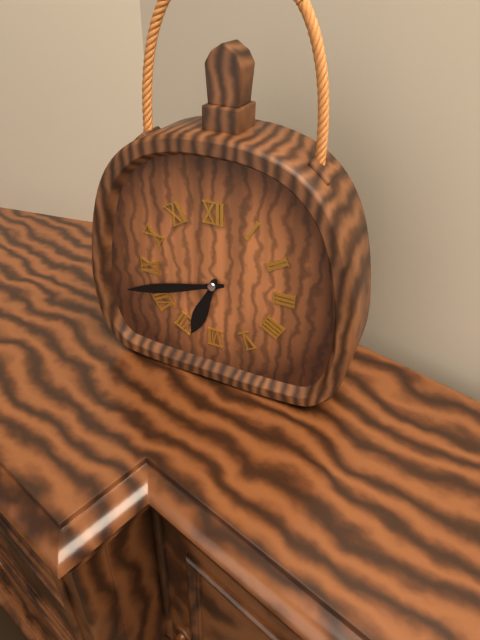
6:42
